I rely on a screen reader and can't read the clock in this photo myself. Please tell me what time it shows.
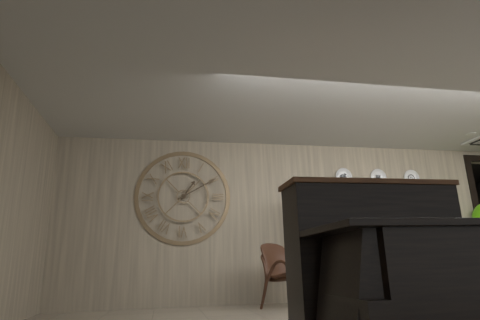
1:10
